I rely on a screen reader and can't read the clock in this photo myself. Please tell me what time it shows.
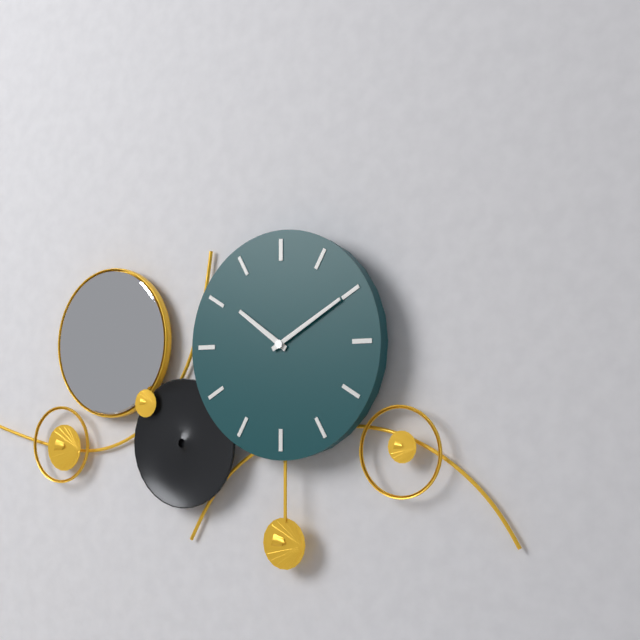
10:10
